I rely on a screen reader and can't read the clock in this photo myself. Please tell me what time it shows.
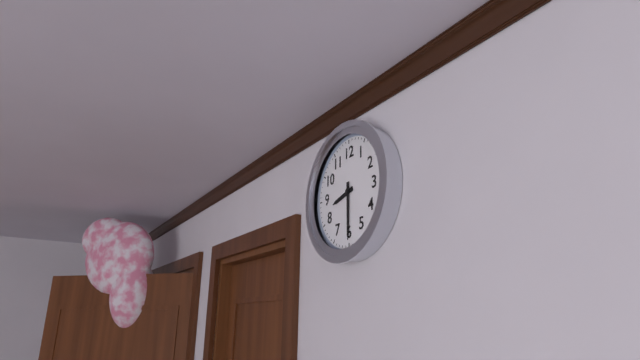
8:30
